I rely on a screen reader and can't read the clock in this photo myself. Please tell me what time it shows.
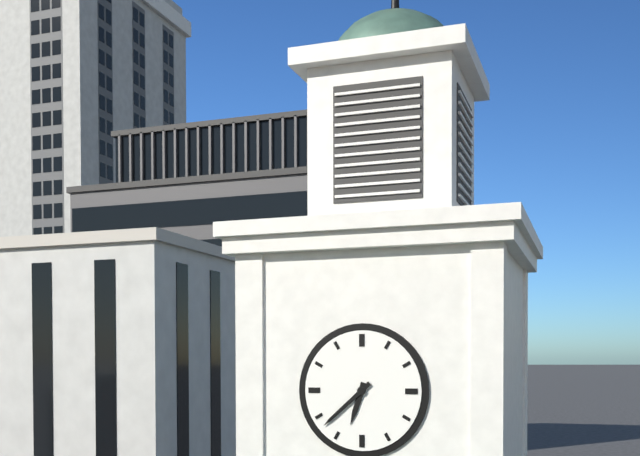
6:38
